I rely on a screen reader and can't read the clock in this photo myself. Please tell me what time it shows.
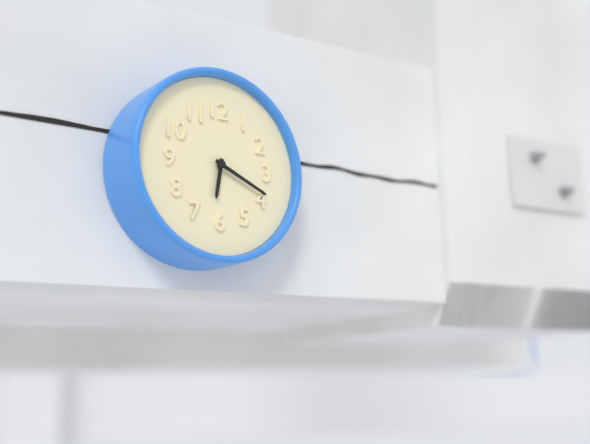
6:19
